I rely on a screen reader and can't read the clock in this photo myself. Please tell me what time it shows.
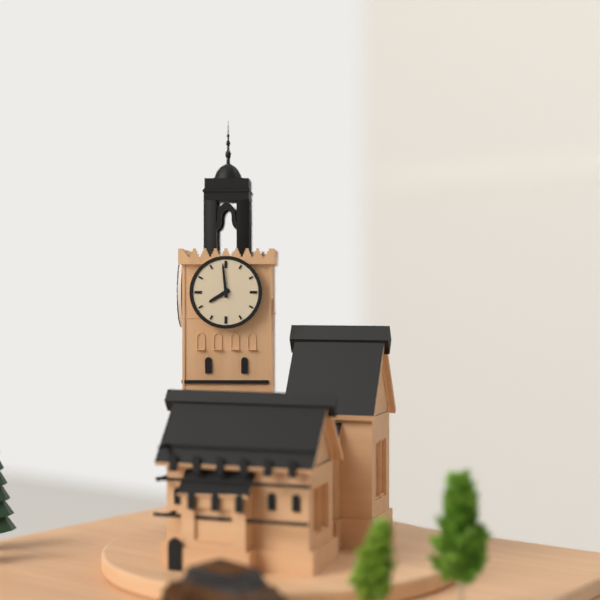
7:59
